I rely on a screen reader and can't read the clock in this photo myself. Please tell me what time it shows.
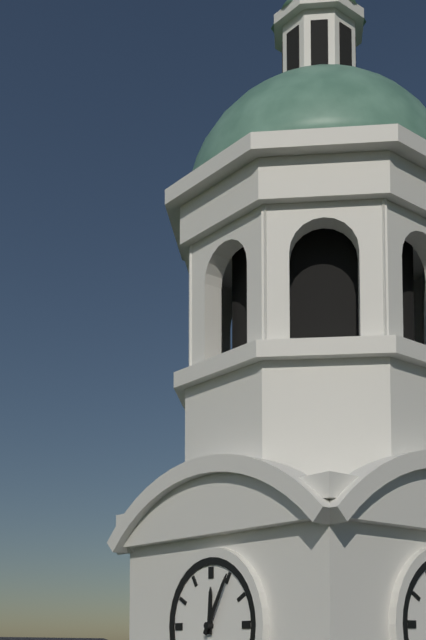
12:05
